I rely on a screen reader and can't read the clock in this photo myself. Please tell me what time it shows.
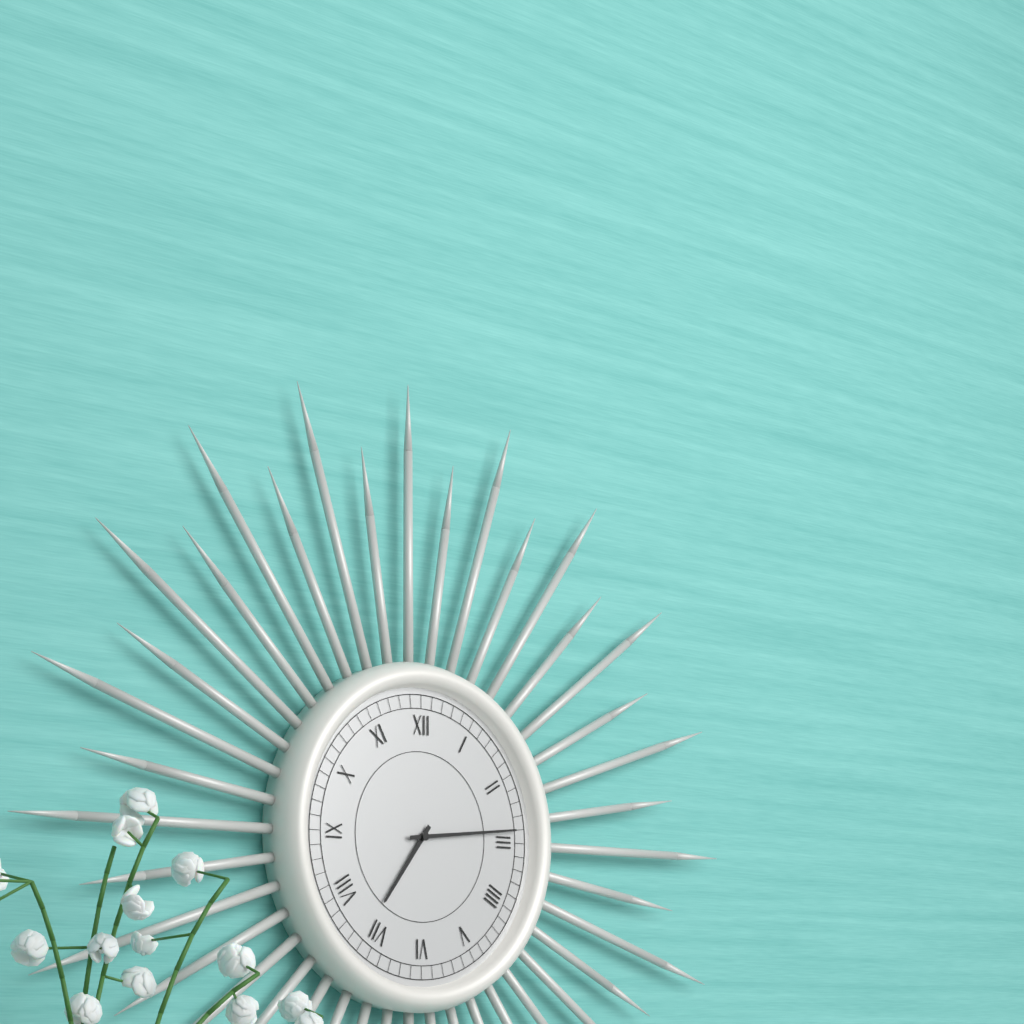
7:14
